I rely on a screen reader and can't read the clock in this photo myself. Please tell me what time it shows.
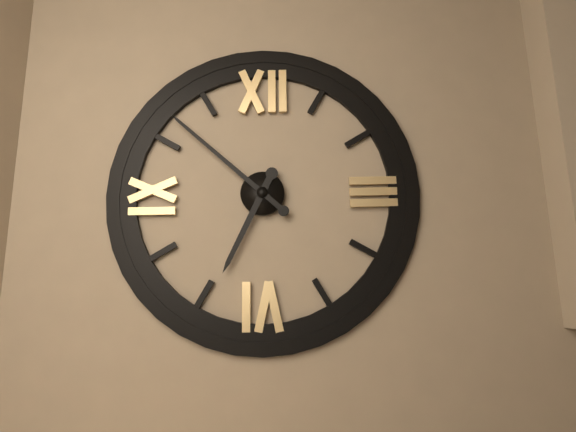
6:52
